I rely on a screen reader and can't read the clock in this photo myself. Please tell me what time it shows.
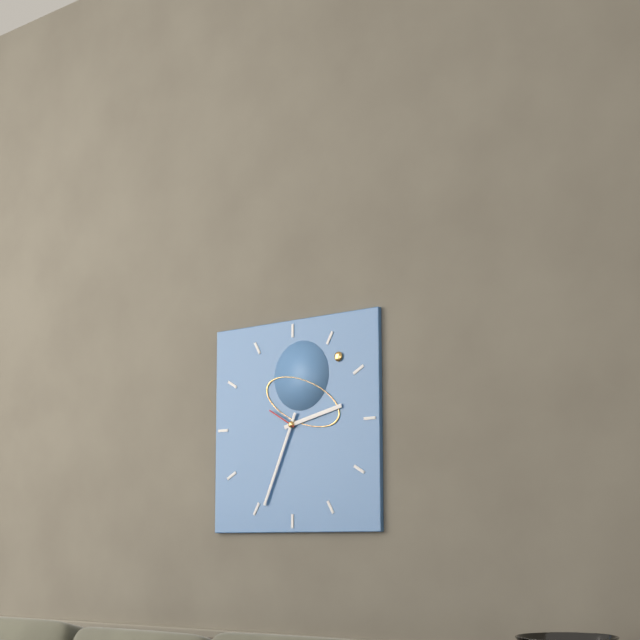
2:34
